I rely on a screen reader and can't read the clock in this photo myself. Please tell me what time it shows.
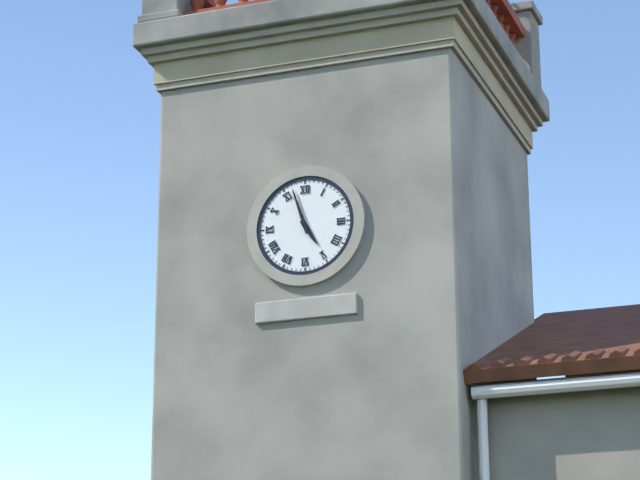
4:57
